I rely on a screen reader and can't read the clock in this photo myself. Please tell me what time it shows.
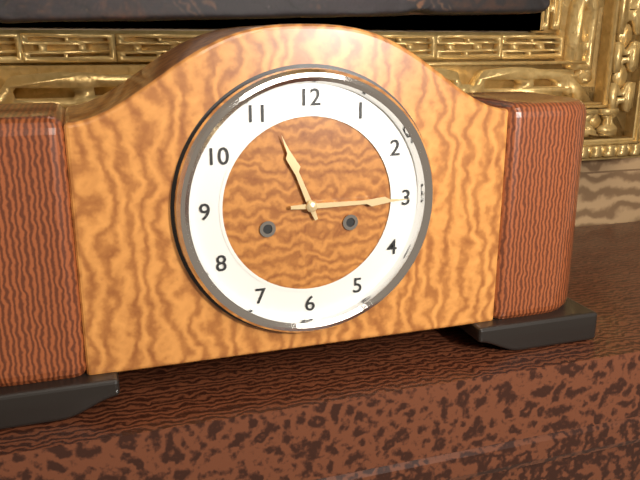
11:15
